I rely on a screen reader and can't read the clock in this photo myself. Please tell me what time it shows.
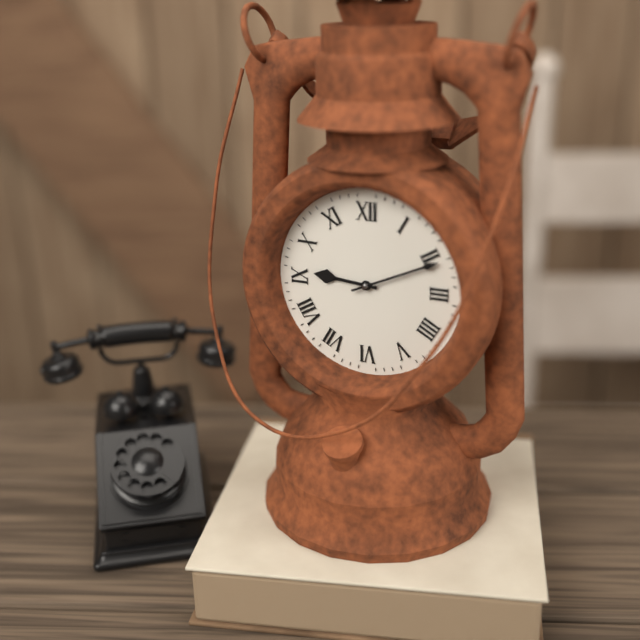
9:11
